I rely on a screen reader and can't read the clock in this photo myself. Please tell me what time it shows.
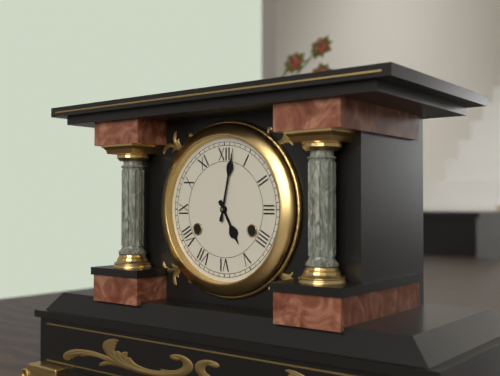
5:02
